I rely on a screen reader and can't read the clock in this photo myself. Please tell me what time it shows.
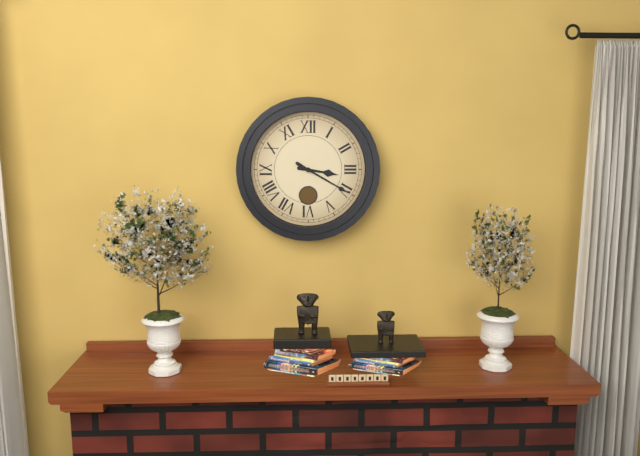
3:20
